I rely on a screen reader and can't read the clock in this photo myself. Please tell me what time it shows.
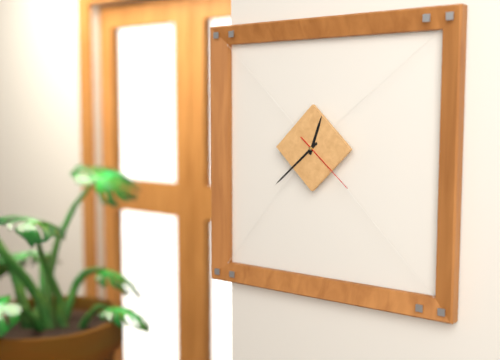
12:38:22
